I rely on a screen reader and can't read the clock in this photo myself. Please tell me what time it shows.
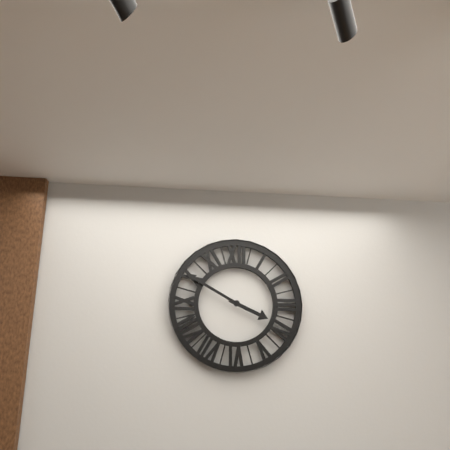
3:50
